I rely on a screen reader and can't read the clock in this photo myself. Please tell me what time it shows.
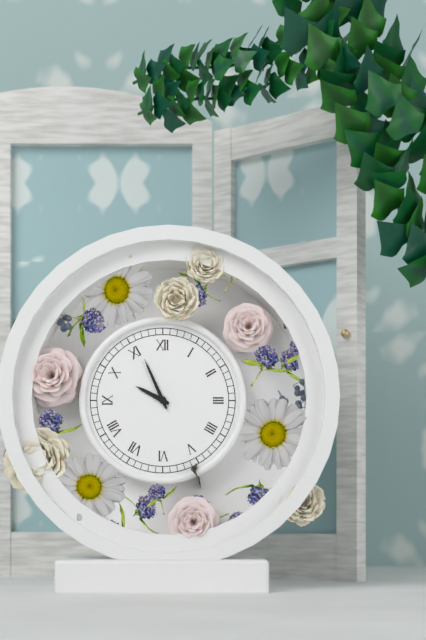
9:56
